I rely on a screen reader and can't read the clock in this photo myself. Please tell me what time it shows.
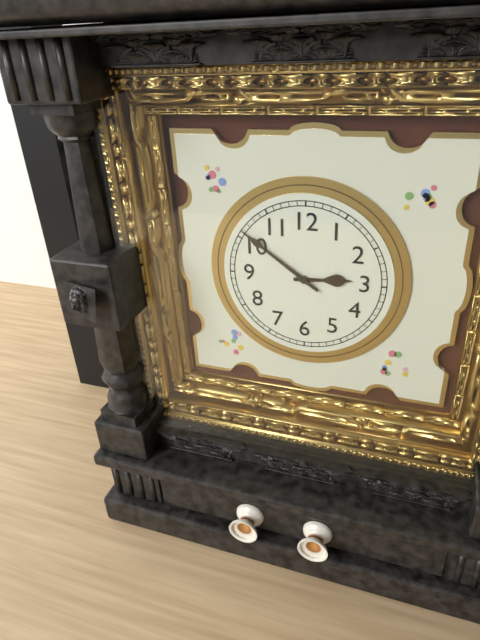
2:51
